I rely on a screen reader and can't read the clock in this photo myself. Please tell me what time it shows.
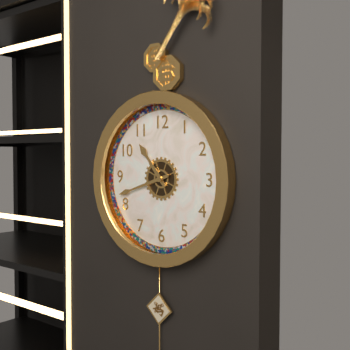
10:42
